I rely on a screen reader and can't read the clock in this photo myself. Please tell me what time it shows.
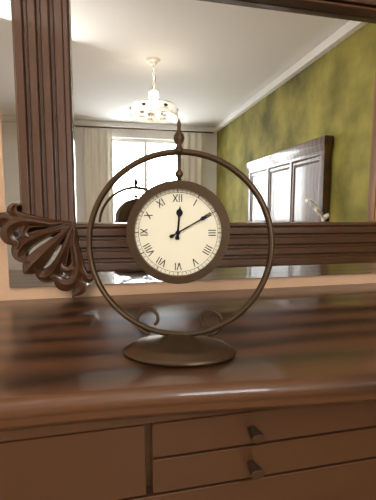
12:10
